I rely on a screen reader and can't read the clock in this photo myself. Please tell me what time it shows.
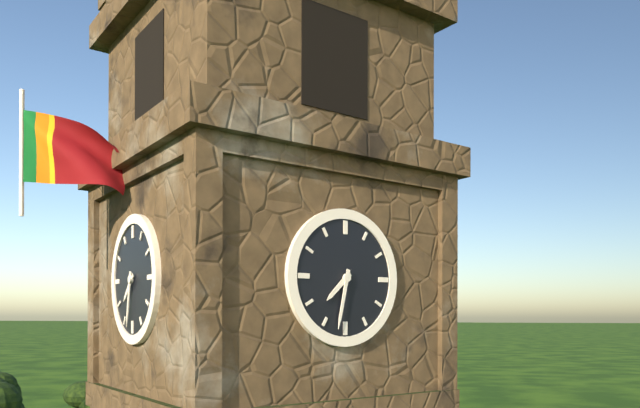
7:32
